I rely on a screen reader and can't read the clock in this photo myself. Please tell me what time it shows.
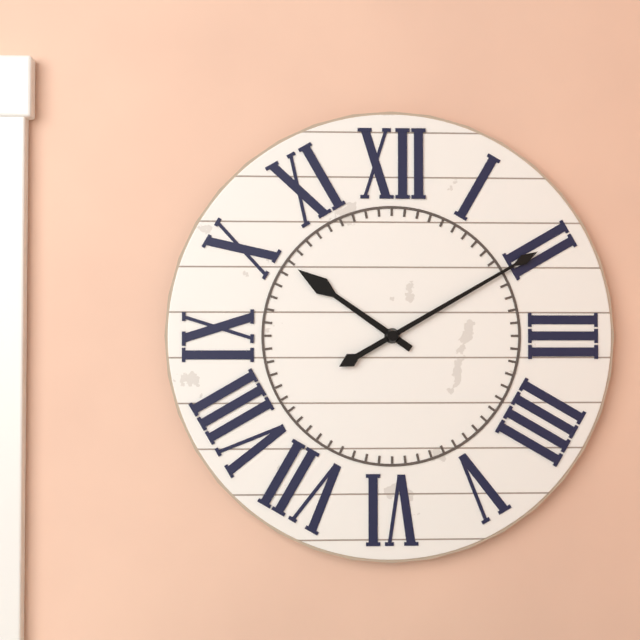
10:10
